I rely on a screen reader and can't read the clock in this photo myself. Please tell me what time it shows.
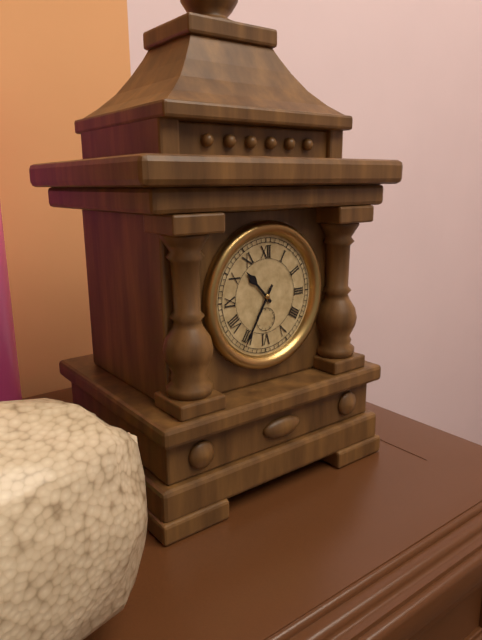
10:35
